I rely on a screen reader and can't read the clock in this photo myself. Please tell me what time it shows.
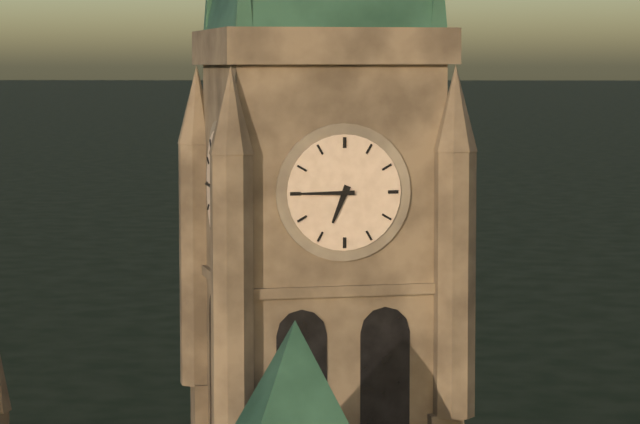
6:45
